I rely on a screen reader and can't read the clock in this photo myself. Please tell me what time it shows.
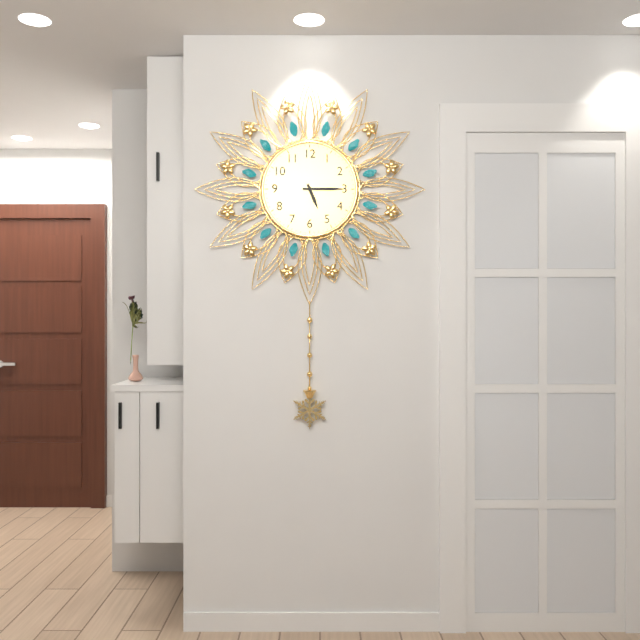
5:15
